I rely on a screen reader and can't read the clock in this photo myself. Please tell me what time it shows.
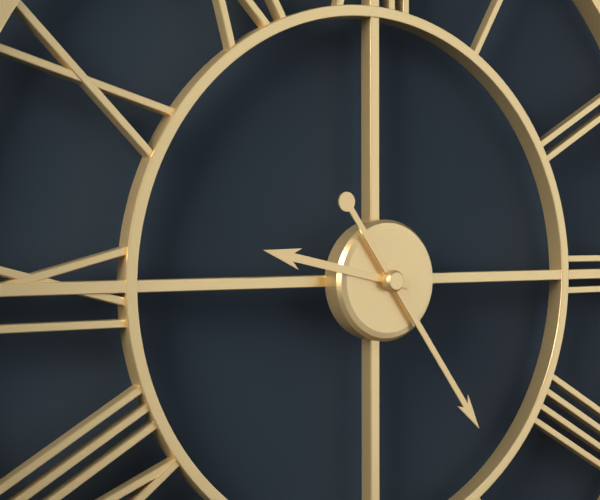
9:24
